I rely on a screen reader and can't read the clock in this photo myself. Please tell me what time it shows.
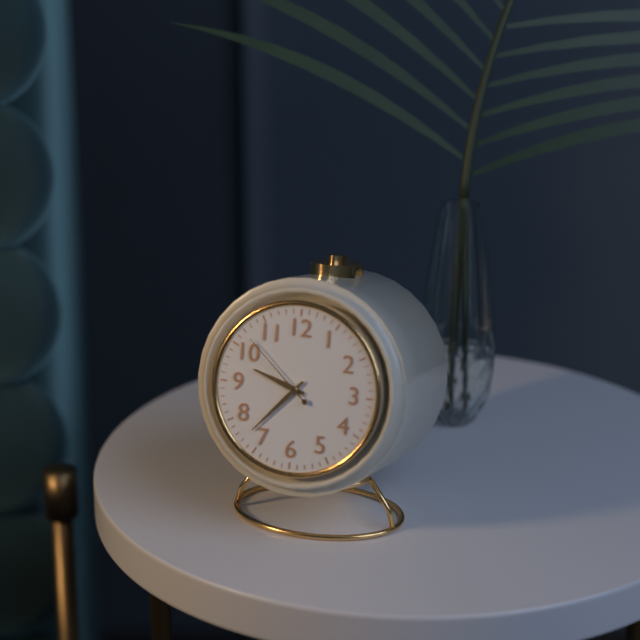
9:37:52
